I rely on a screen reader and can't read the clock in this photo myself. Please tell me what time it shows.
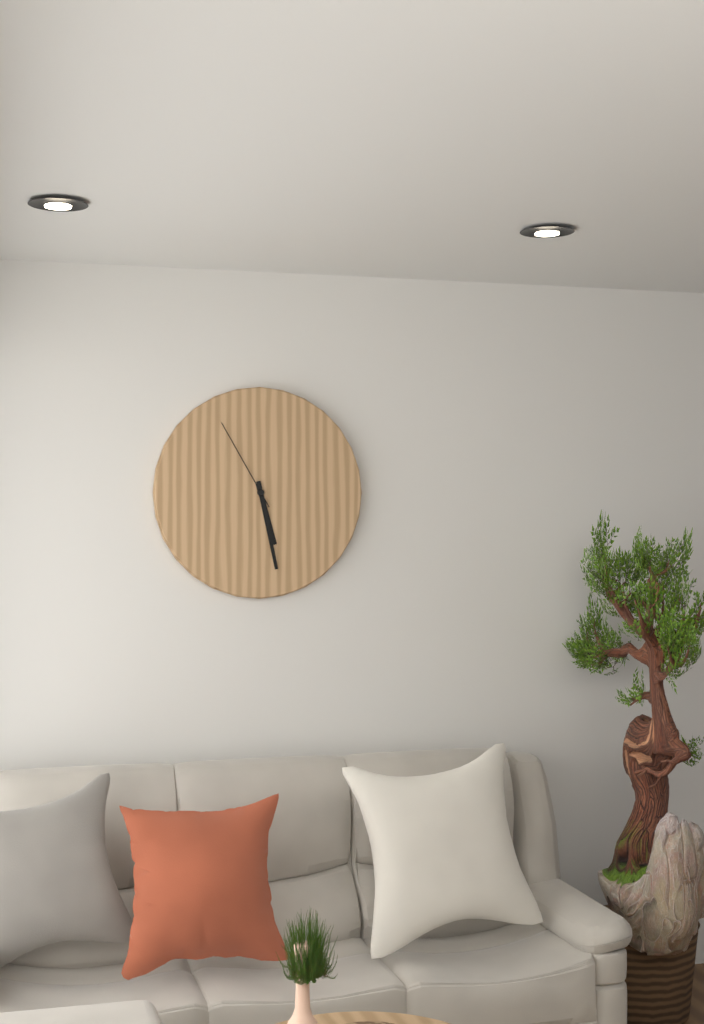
5:28:55
